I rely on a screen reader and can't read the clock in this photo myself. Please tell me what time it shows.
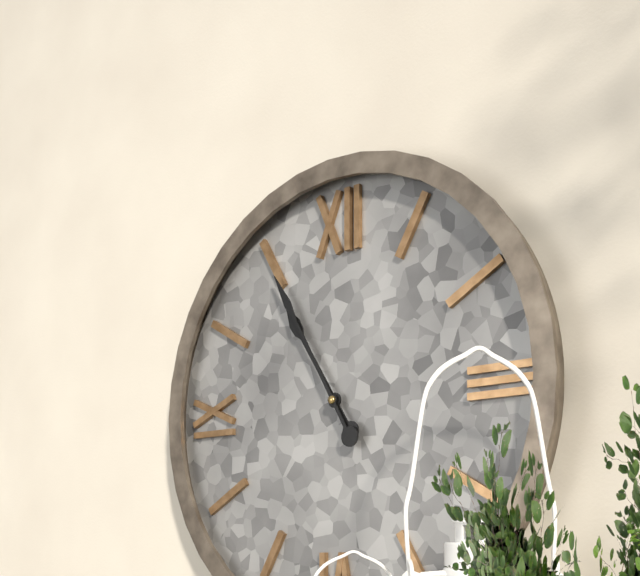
10:55
